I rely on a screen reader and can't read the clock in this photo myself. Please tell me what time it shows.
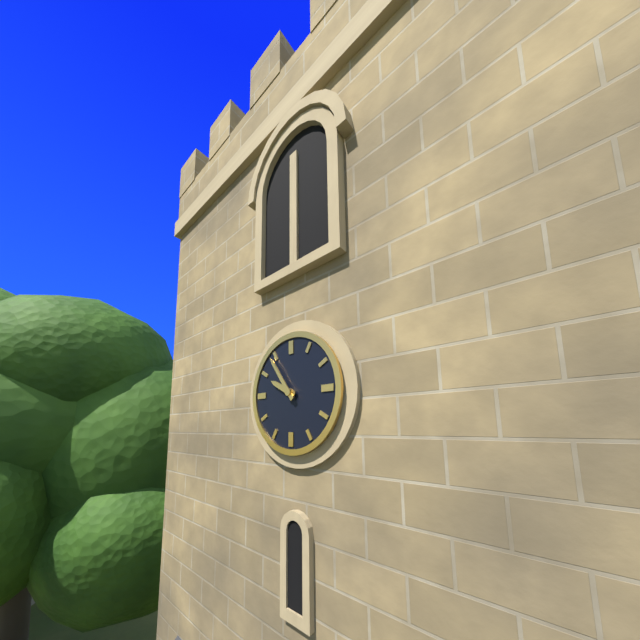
9:54
